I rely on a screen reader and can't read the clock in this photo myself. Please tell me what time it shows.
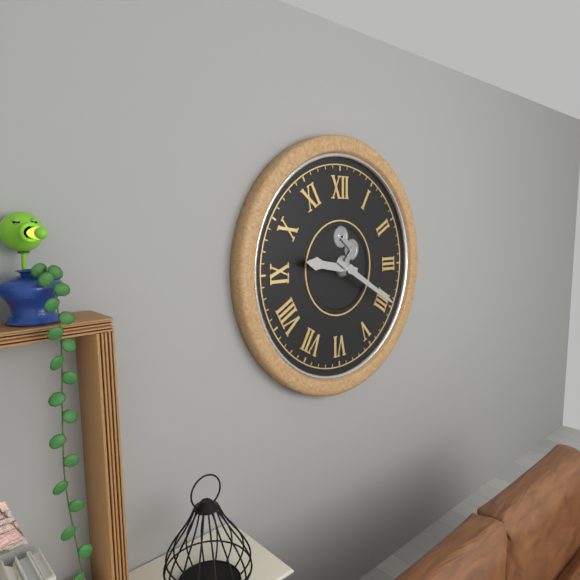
9:20
